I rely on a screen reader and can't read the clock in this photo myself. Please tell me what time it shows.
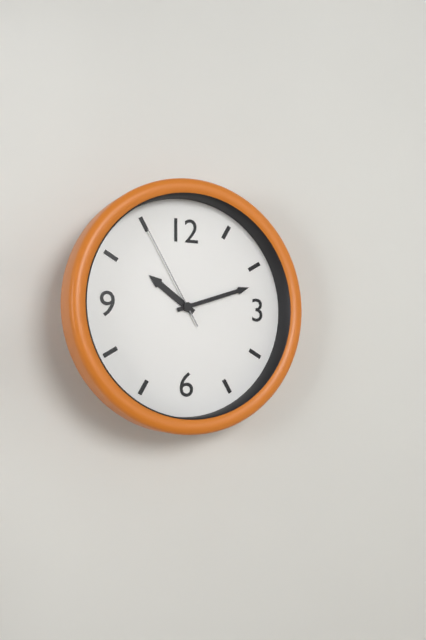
10:12:55
